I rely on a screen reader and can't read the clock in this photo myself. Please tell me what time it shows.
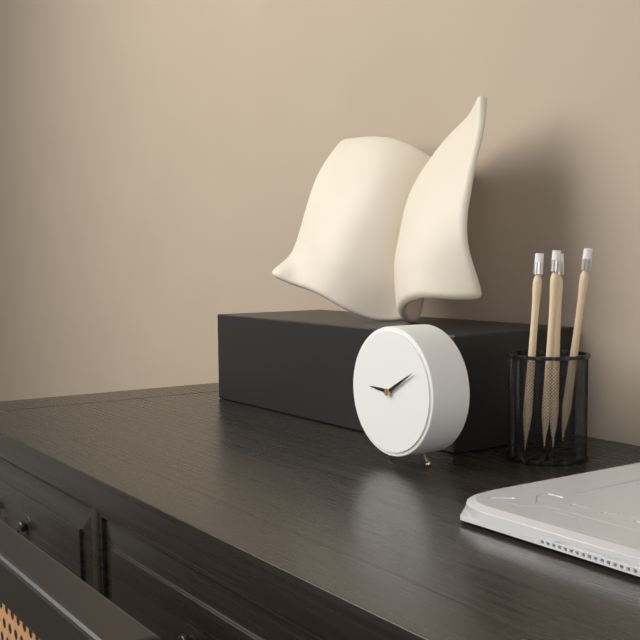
9:10
